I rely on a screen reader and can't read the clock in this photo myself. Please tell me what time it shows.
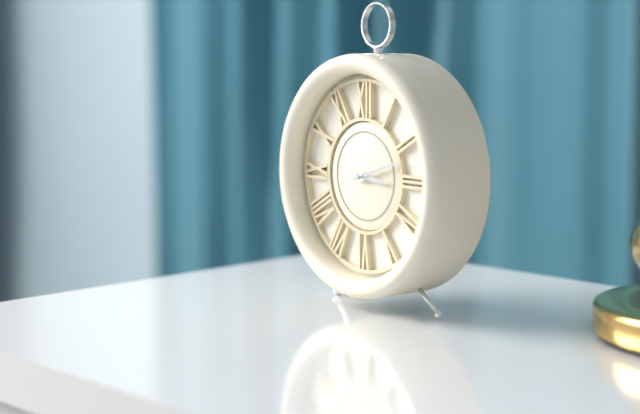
3:12
